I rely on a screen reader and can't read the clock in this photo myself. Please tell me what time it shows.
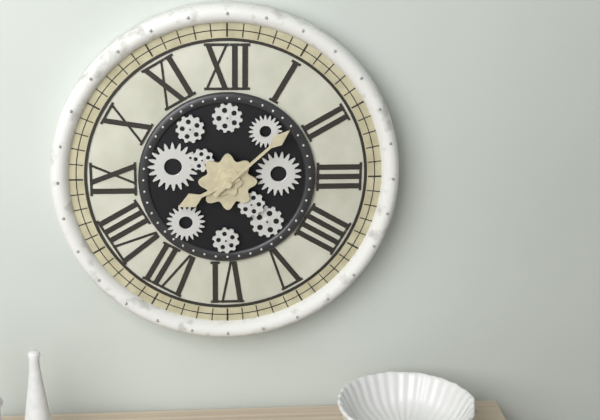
8:08
